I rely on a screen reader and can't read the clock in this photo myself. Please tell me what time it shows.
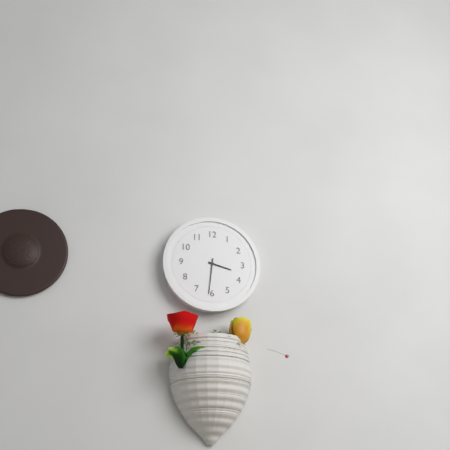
3:31
